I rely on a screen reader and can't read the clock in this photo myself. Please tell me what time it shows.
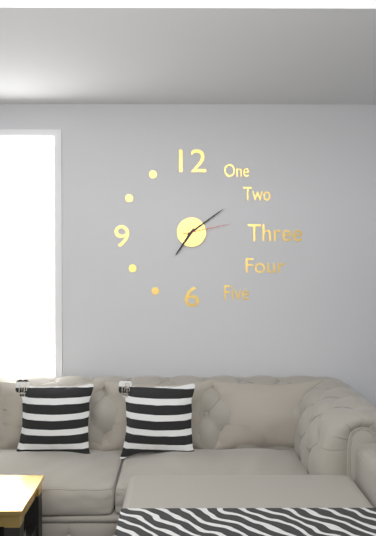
7:09:13
